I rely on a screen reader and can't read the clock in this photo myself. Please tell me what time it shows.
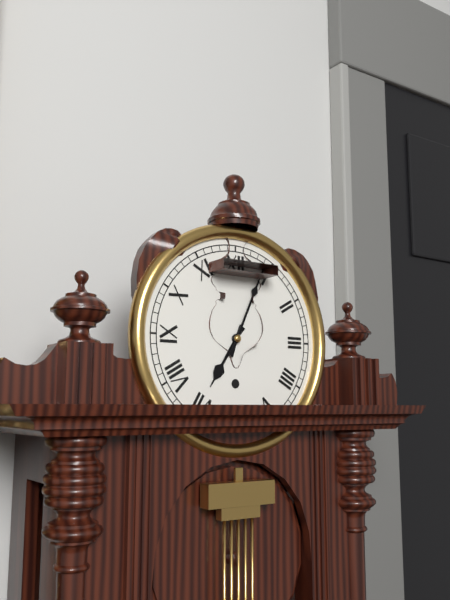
7:04
